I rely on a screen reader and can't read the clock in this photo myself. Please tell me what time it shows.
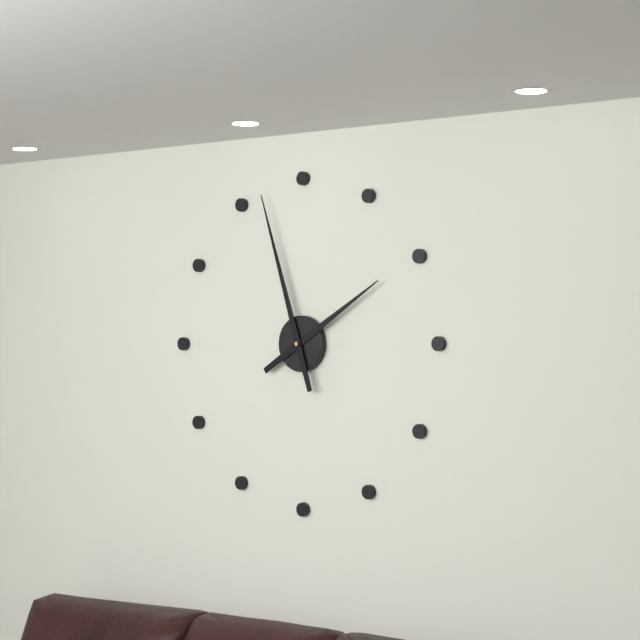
1:57
